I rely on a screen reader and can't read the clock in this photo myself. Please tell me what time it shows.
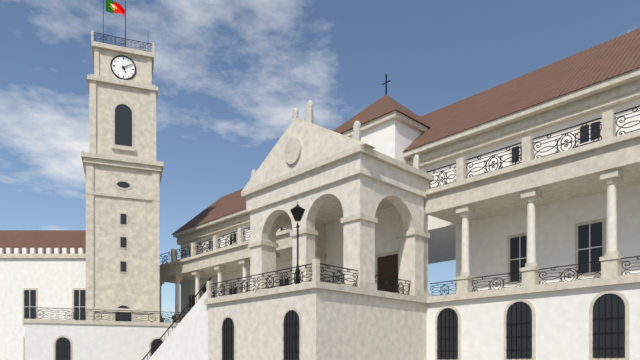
5:10
